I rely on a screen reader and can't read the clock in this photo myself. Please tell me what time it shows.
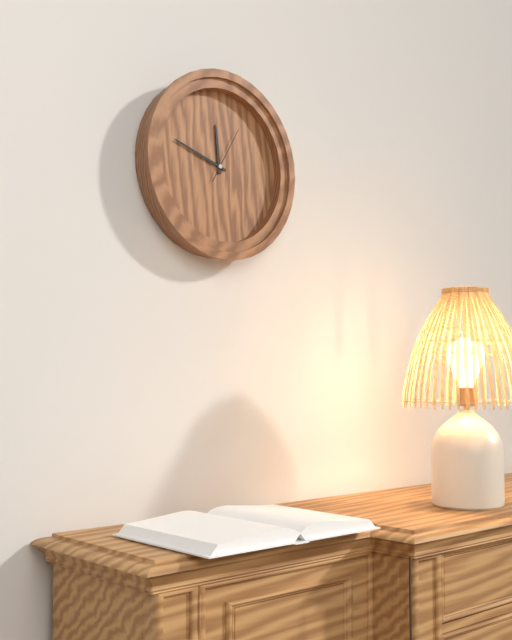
11:48:05
